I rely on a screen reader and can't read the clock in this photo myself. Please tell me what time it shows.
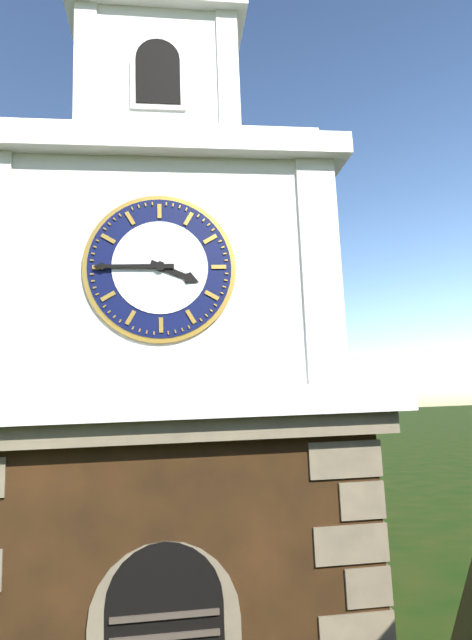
3:45
